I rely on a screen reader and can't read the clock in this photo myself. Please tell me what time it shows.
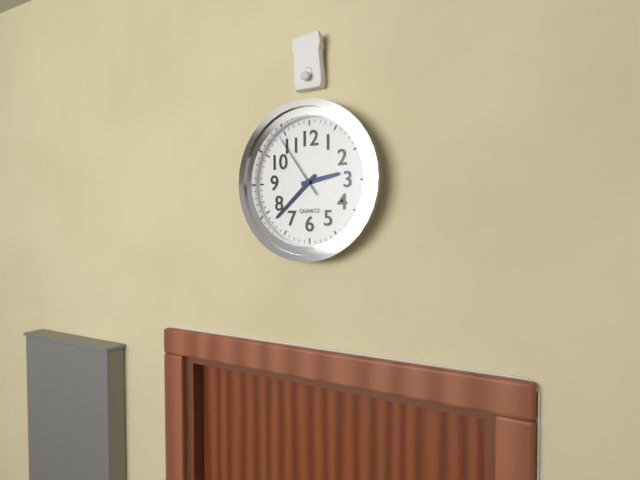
2:38:54
